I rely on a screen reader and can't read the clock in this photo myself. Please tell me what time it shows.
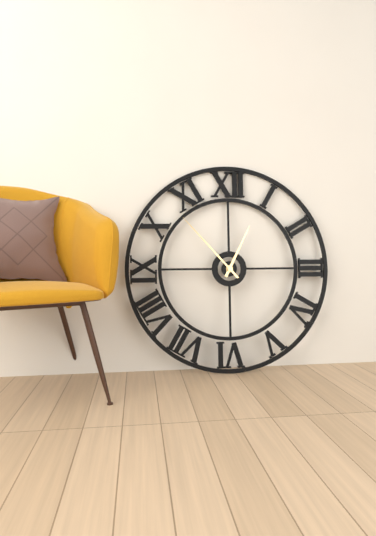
12:53
